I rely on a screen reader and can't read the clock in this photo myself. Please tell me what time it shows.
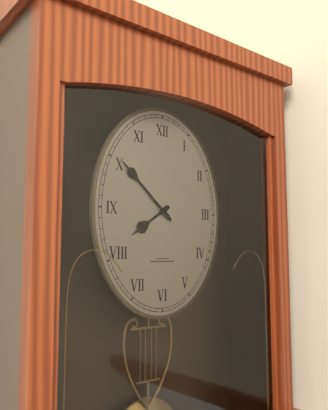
7:52
